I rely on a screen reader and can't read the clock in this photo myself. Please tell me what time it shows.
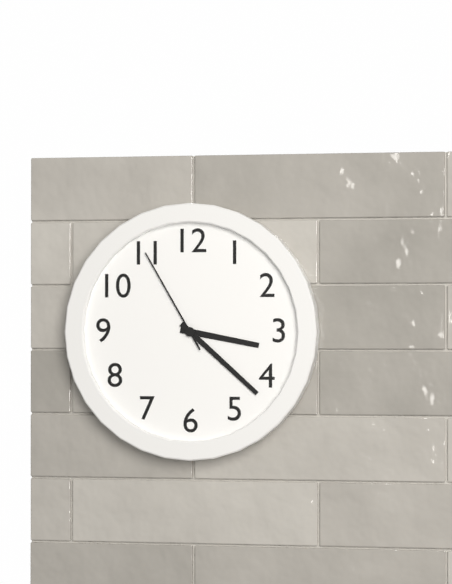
3:22:55
